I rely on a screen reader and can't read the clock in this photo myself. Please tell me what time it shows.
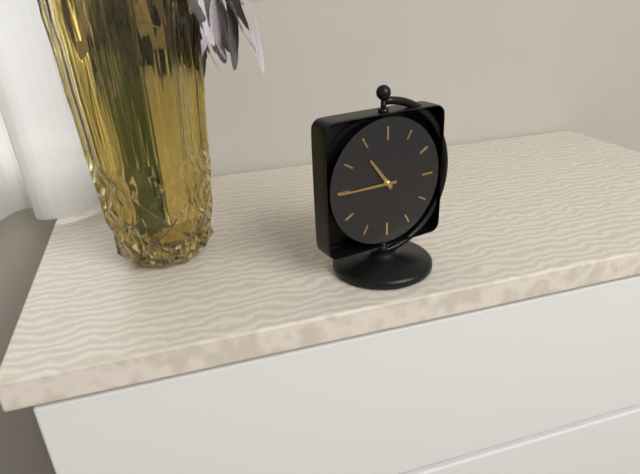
10:45
